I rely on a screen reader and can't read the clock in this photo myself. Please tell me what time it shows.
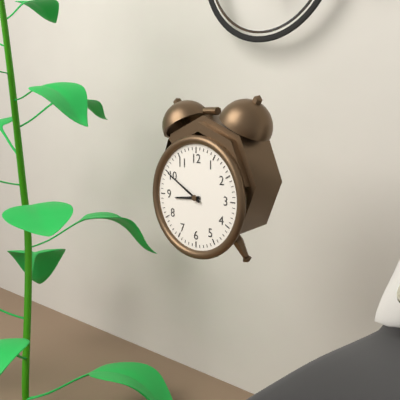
8:50
